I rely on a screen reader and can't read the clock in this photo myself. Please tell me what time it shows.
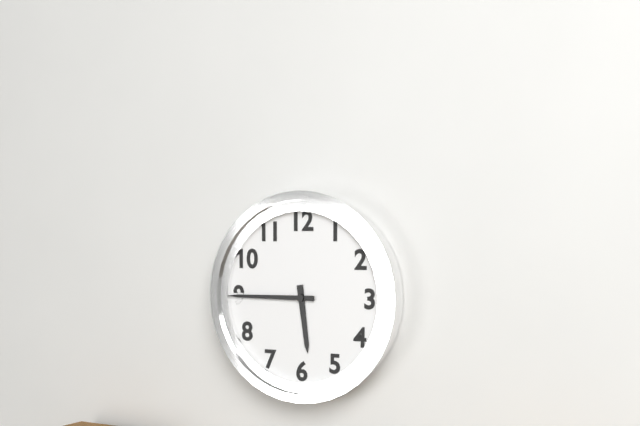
5:45
